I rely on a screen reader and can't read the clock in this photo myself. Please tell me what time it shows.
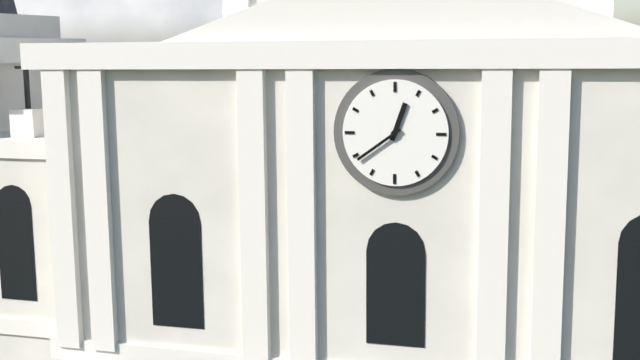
12:39
